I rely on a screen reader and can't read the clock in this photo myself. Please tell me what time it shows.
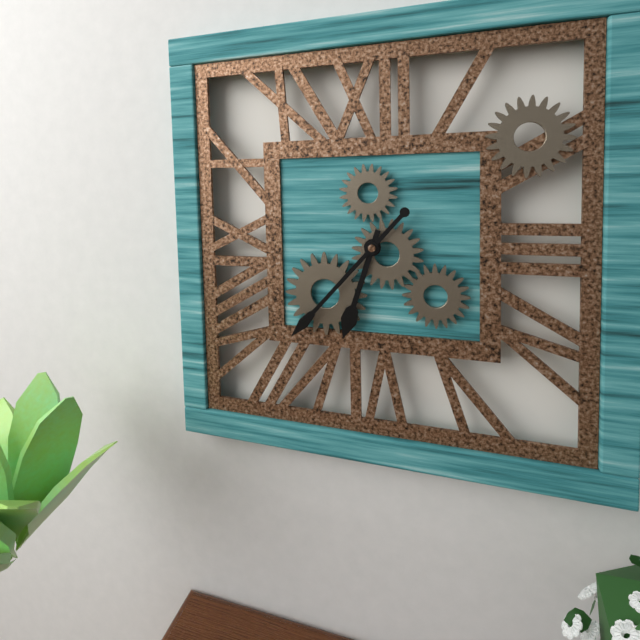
6:37
